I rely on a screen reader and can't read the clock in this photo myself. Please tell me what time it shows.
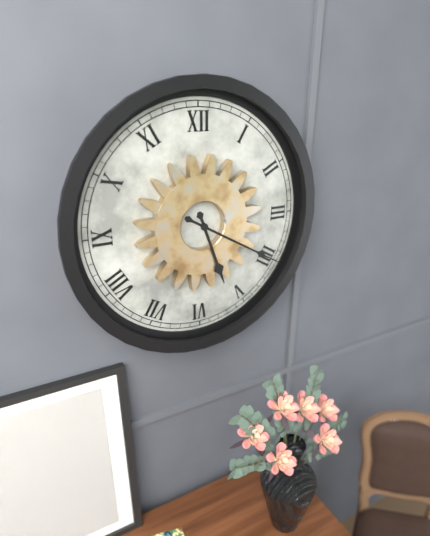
5:20
